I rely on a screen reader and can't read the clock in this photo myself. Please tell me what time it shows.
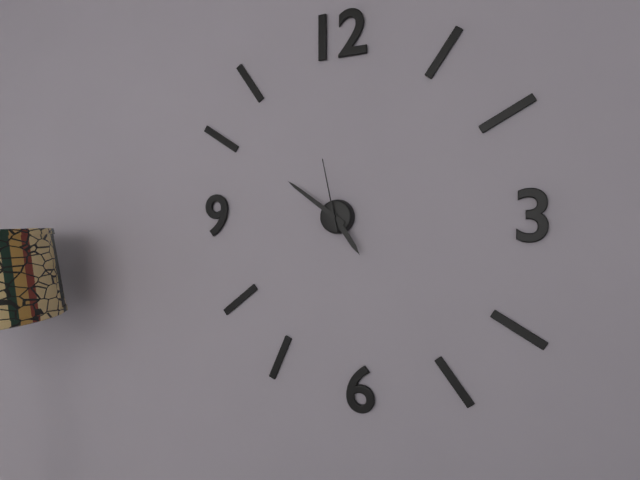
4:51:58
